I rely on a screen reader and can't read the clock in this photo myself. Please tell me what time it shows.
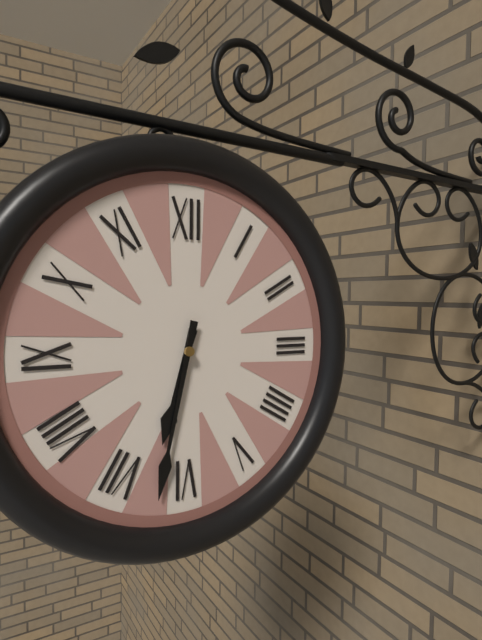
6:32
